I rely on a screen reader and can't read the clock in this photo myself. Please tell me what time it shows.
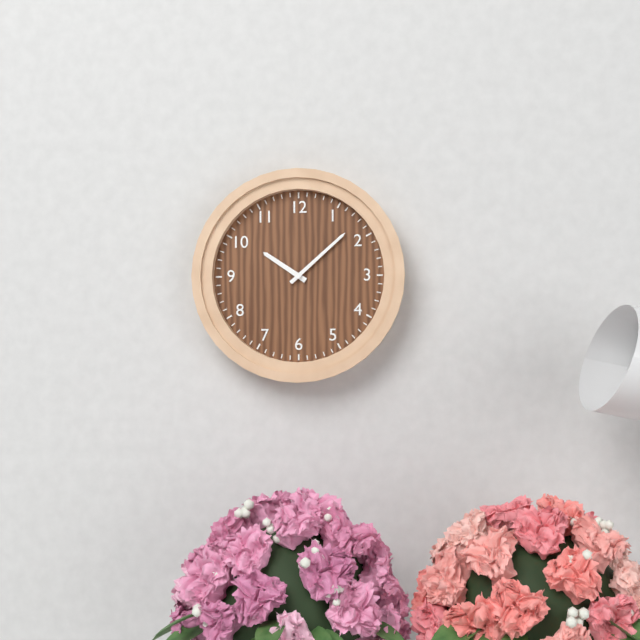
10:08
